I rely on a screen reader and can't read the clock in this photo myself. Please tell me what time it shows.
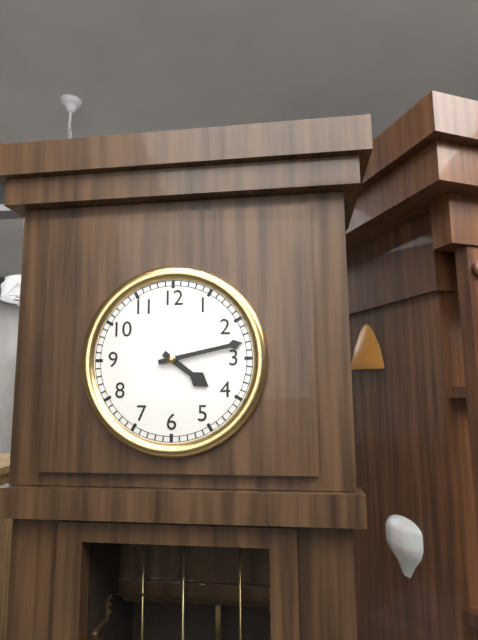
4:13
